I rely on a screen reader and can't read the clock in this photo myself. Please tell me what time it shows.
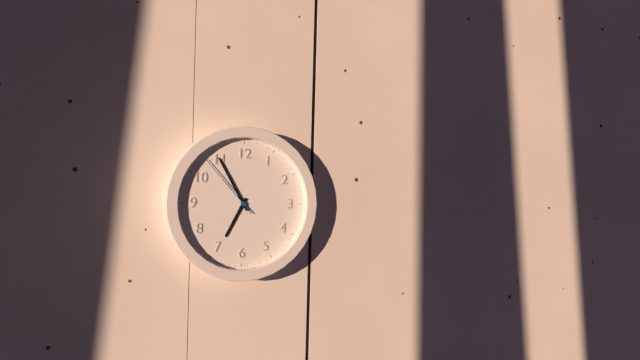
6:55:53
